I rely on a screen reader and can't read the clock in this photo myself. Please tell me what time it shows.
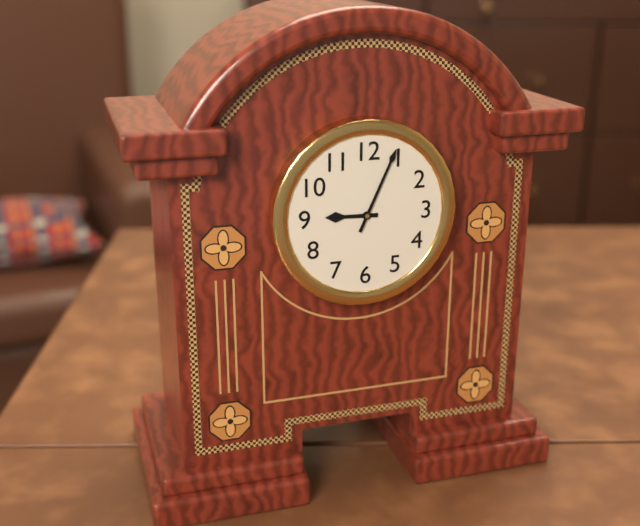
9:04
